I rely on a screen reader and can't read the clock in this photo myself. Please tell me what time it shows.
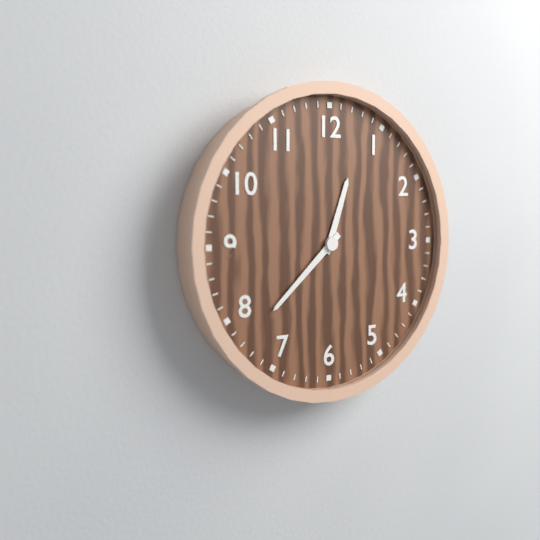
12:38
